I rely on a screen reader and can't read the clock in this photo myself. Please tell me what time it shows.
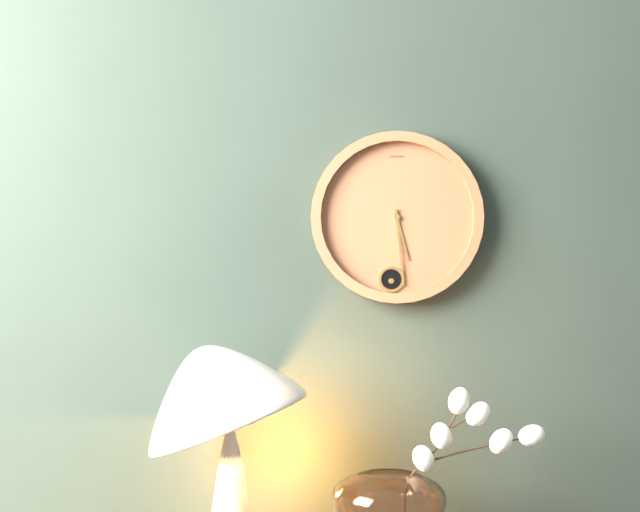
5:29
